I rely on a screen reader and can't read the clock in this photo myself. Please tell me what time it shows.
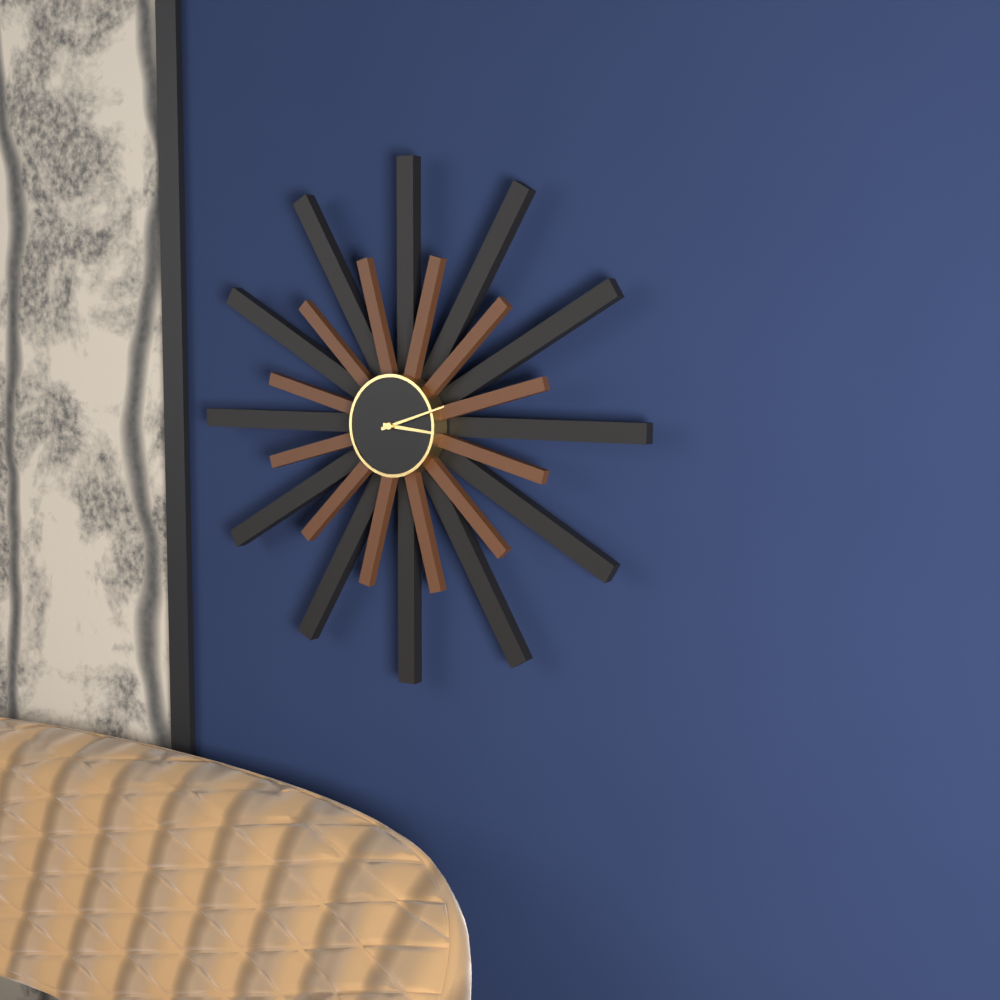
3:12
